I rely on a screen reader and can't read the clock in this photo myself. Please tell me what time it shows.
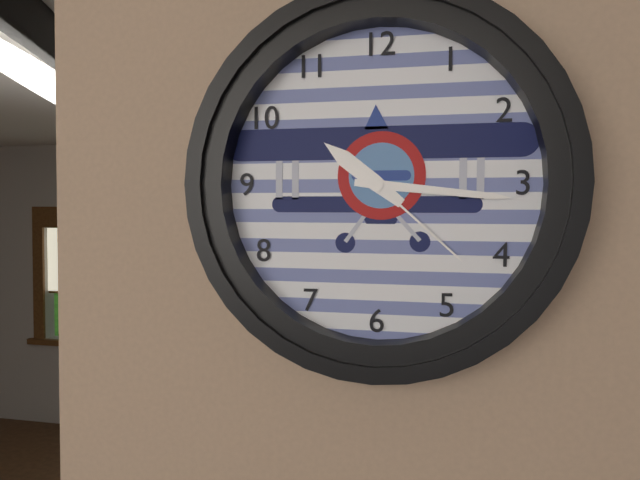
10:16:22
